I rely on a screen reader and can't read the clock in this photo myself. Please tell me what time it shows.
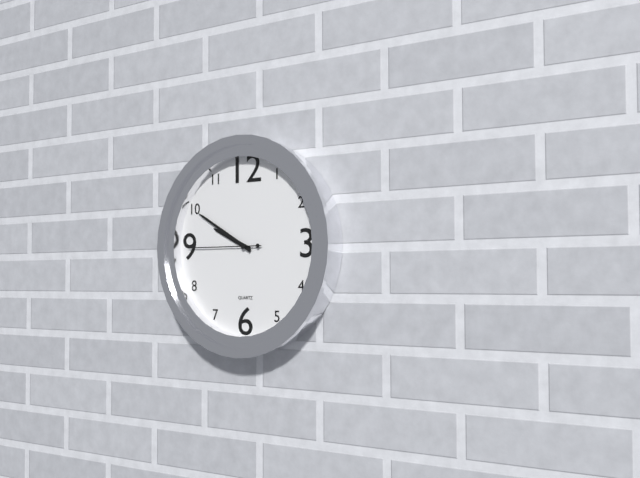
9:50:45
